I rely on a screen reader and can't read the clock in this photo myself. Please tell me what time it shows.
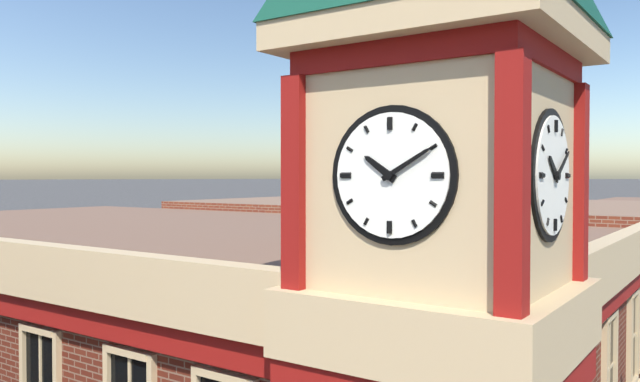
10:10
